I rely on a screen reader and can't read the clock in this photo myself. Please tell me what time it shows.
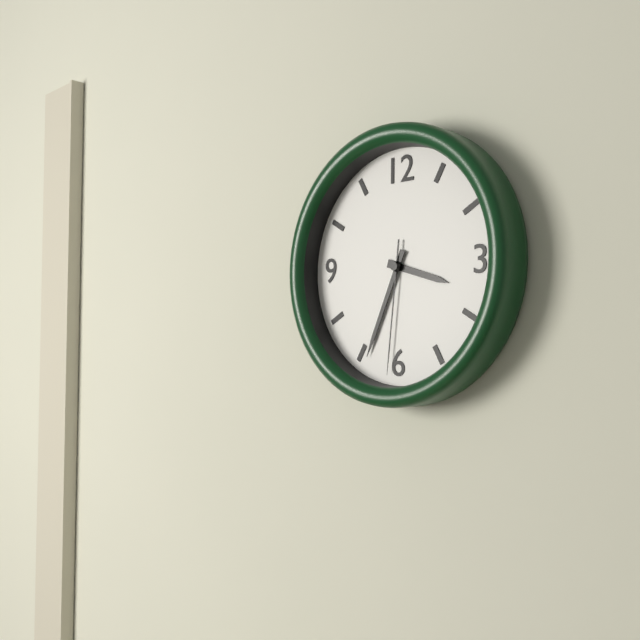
3:34:31
